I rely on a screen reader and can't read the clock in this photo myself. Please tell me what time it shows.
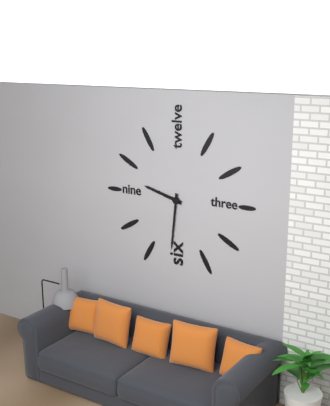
9:31
